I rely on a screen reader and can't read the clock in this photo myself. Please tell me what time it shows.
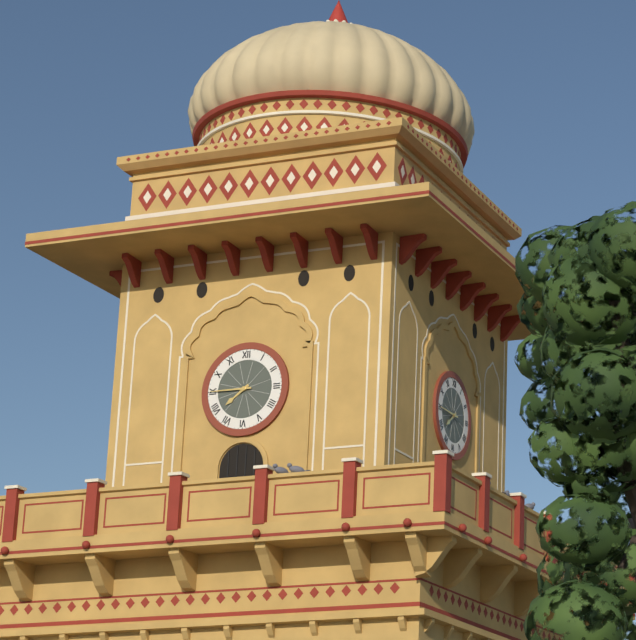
7:45
